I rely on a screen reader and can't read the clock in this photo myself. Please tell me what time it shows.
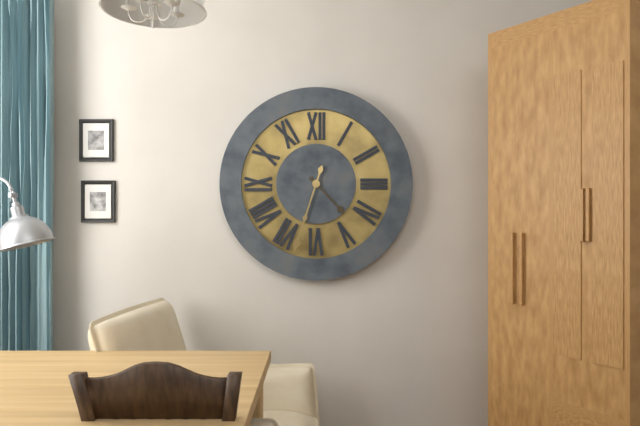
4:33
